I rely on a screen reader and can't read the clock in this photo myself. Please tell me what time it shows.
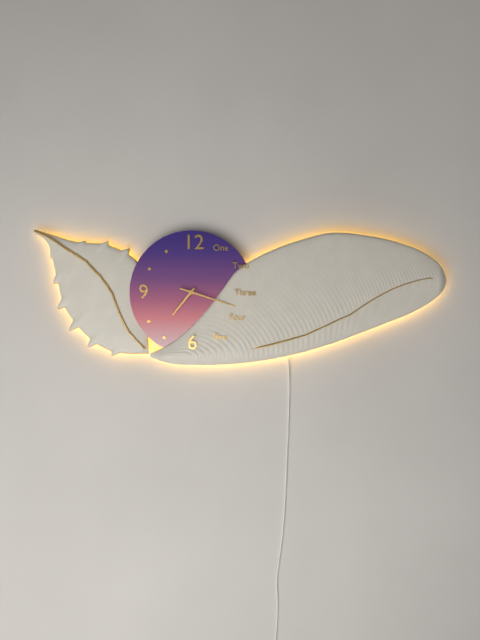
7:18
